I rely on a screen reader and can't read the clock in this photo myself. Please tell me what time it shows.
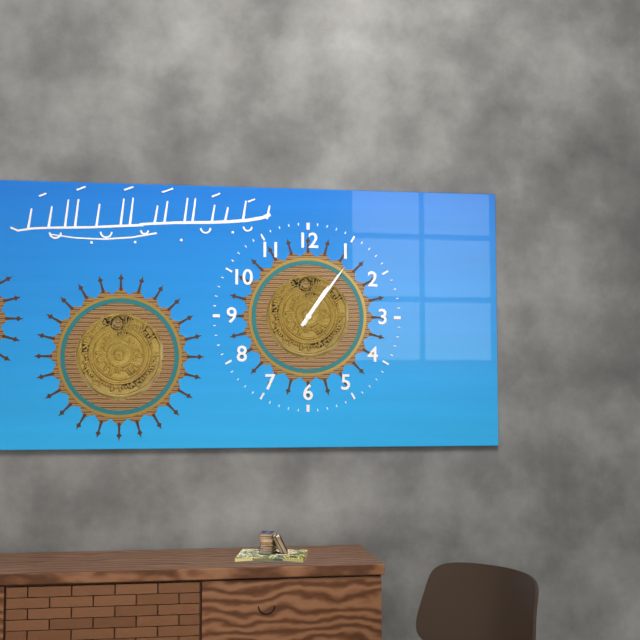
1:06
